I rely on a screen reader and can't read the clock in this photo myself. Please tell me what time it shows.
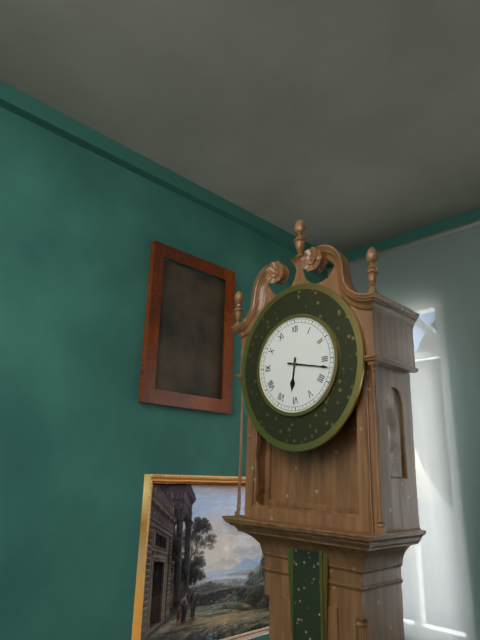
6:17
